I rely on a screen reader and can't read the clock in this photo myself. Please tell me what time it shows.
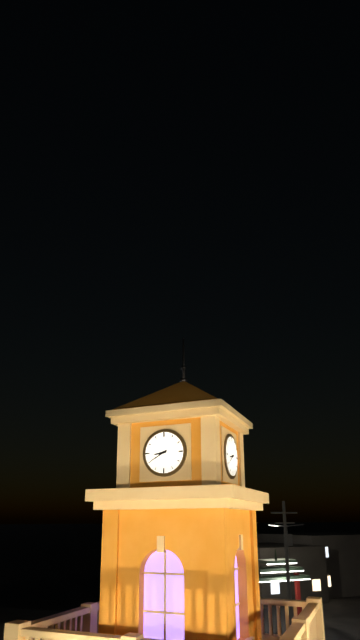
8:40
